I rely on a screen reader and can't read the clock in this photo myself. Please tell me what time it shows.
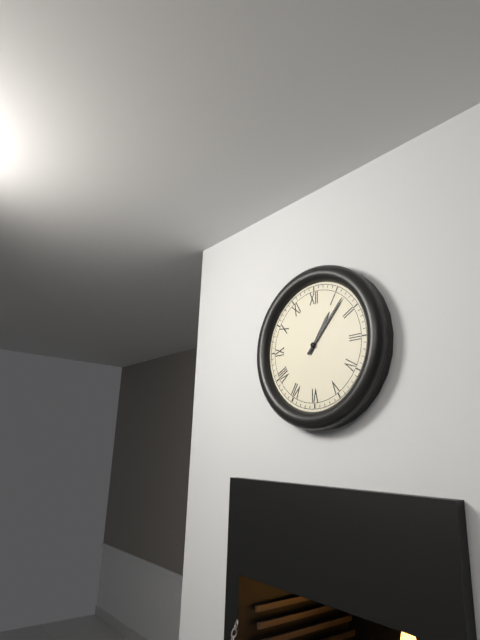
1:07
